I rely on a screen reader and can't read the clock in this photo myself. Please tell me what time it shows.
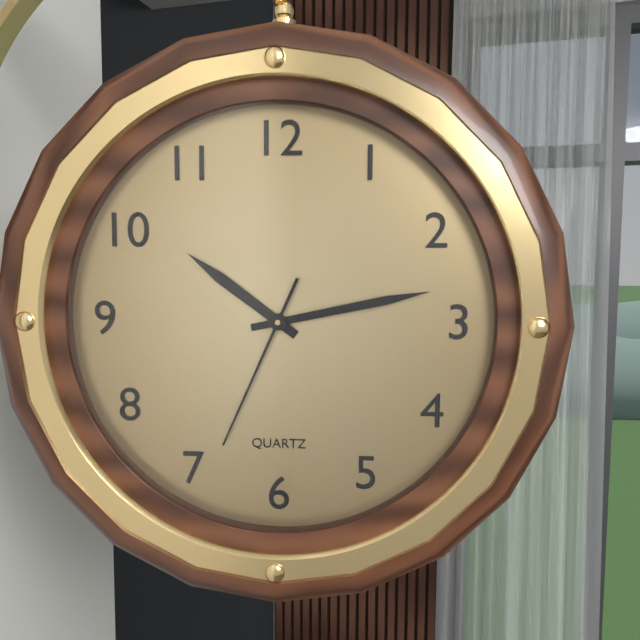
10:13:34
